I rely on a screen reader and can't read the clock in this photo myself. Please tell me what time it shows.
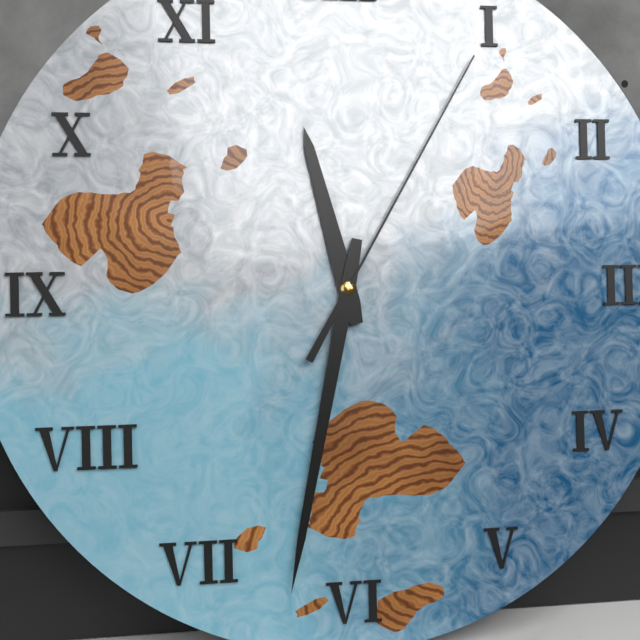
11:32:05
